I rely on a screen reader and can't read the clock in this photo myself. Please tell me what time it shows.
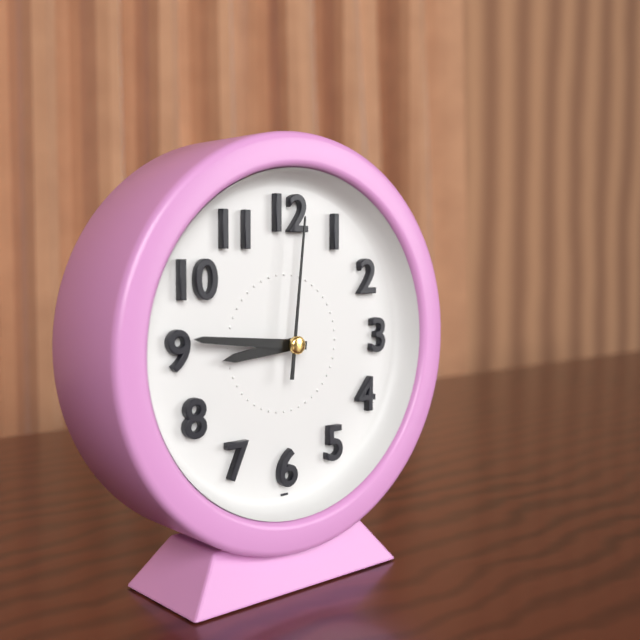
8:46:01
